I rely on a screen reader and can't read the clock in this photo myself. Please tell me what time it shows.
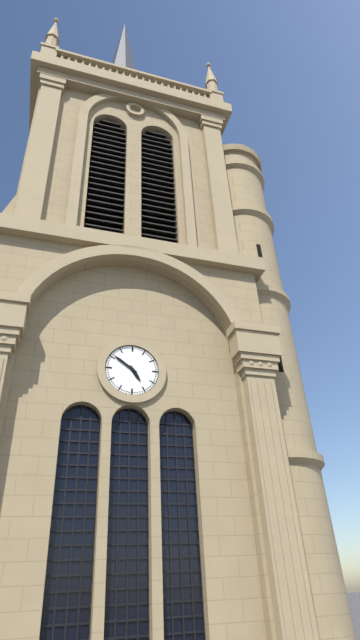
4:51
